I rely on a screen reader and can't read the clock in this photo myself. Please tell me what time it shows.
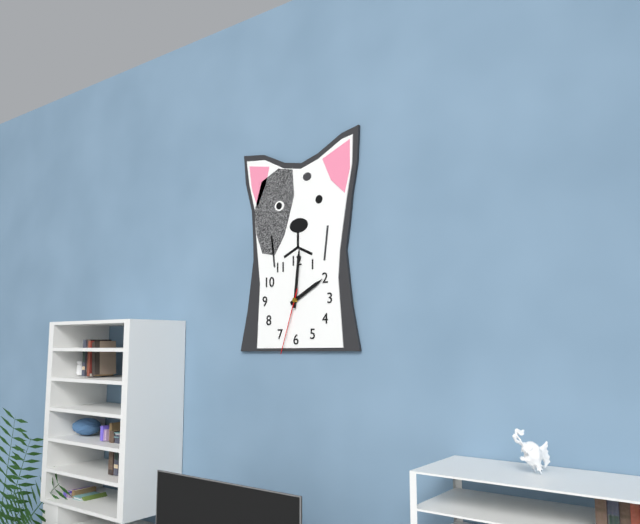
2:01:33
